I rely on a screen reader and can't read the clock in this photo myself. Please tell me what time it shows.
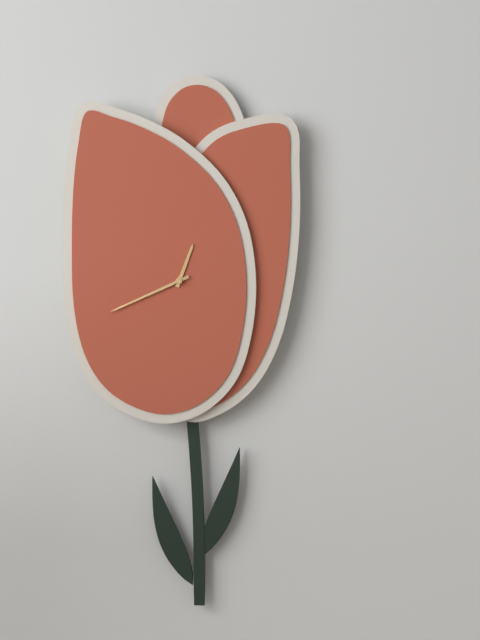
12:41
